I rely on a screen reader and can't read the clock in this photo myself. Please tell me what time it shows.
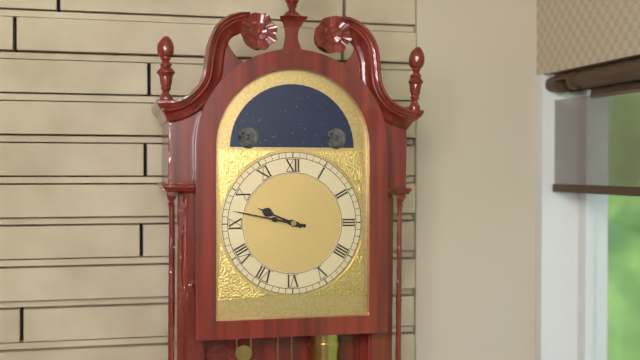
9:47
